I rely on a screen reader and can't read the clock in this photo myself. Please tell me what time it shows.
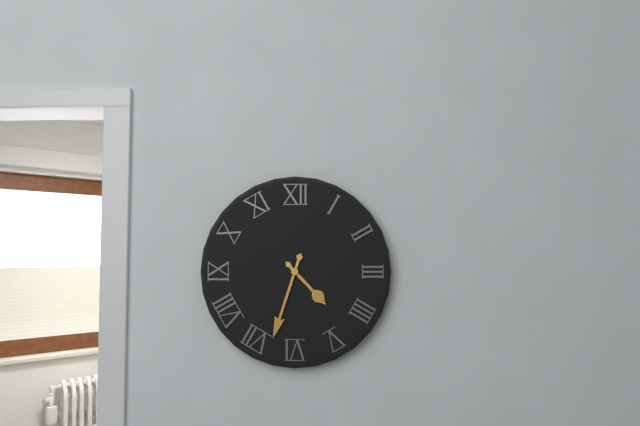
4:33
